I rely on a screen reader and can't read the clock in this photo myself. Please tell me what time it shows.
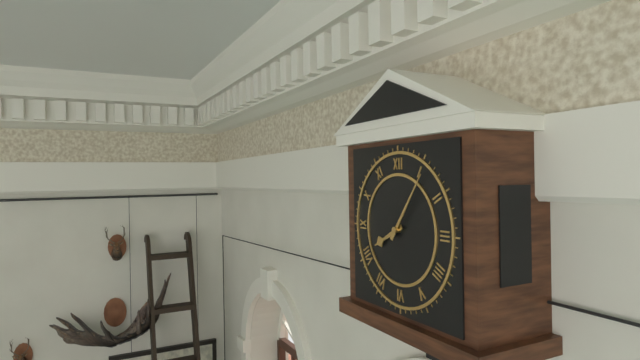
8:06
